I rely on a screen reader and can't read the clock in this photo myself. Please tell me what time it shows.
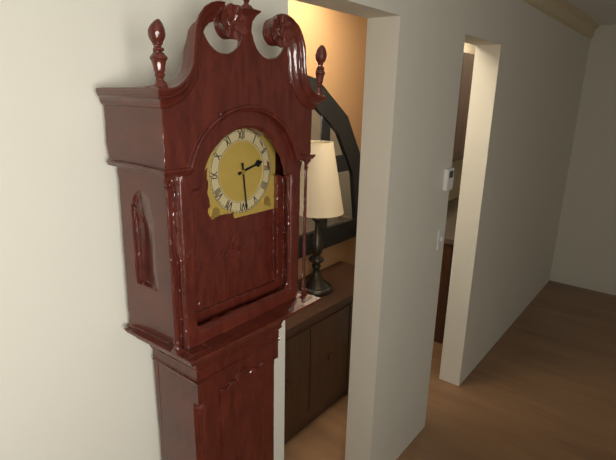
2:29
